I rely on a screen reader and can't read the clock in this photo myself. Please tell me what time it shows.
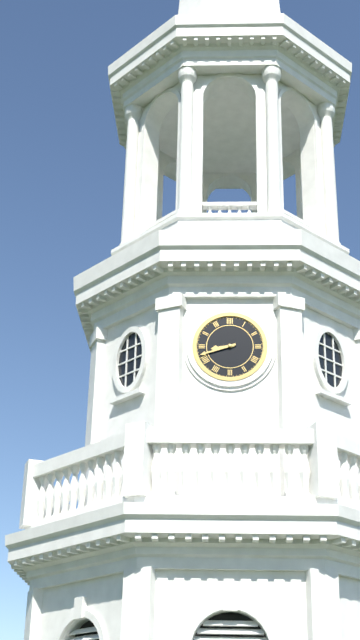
8:42
